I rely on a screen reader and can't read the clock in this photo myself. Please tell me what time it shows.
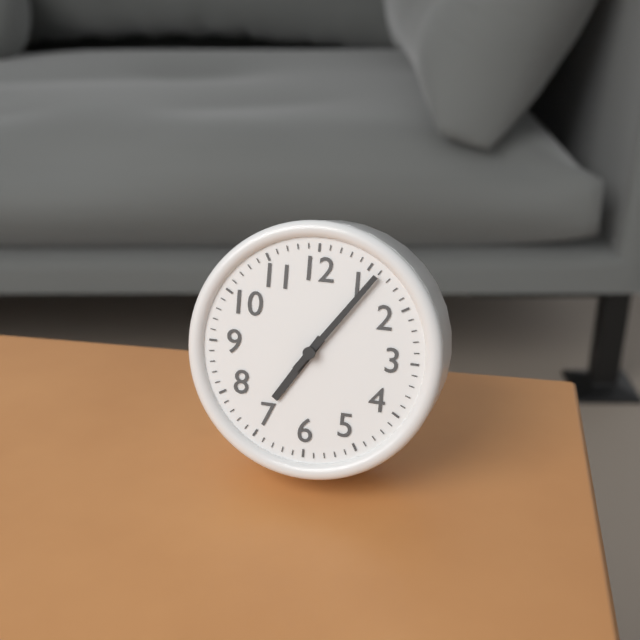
7:06
